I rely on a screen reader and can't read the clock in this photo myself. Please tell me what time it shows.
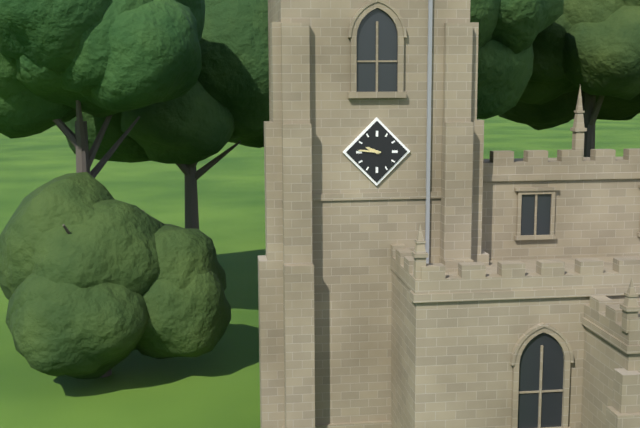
9:46
